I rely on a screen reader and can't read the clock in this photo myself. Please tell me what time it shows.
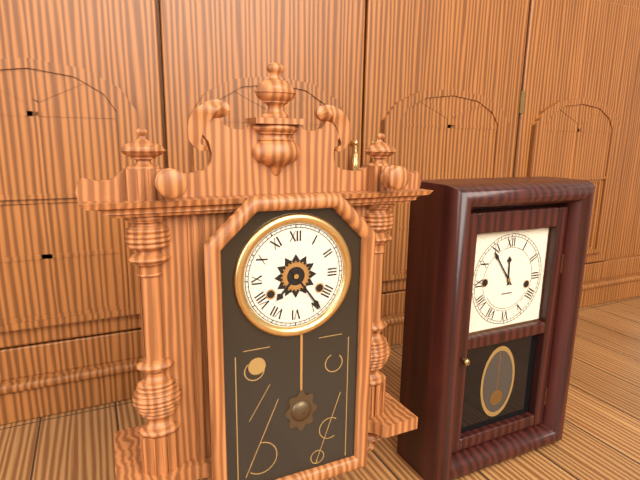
7:24
